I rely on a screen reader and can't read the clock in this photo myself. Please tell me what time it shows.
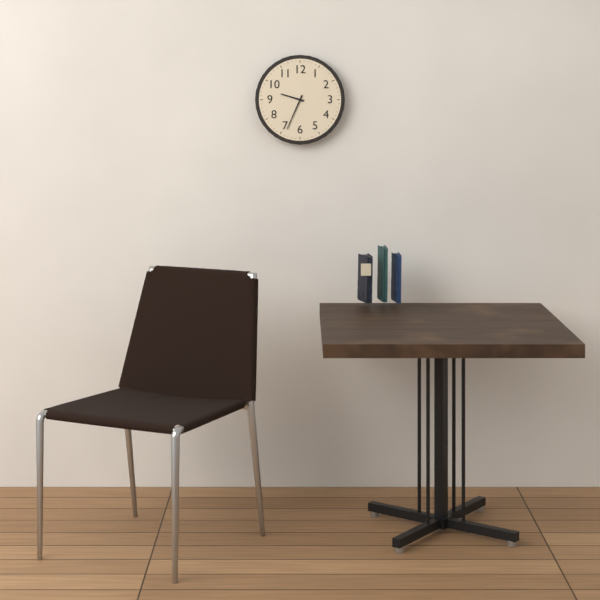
9:34
